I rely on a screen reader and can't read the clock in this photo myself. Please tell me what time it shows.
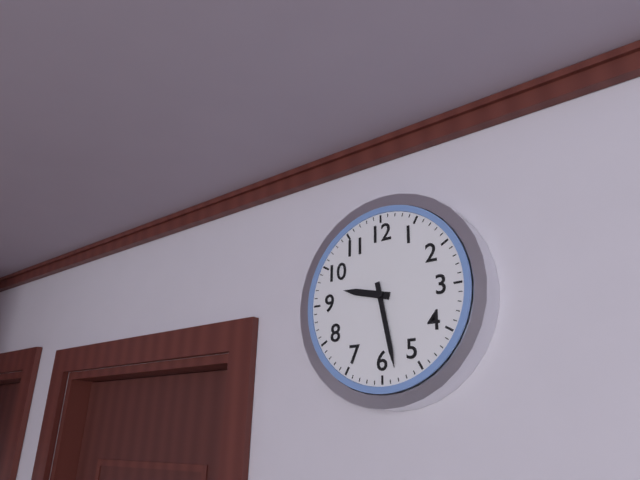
9:28
